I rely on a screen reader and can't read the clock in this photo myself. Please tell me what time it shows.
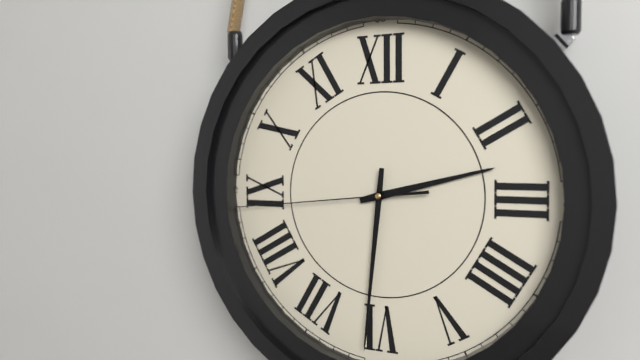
2:31:44
